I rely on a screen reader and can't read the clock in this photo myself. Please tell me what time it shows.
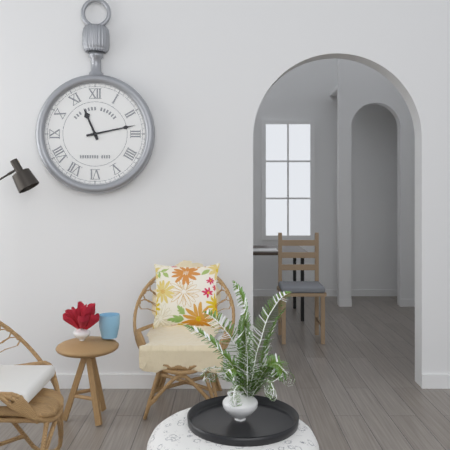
11:13
